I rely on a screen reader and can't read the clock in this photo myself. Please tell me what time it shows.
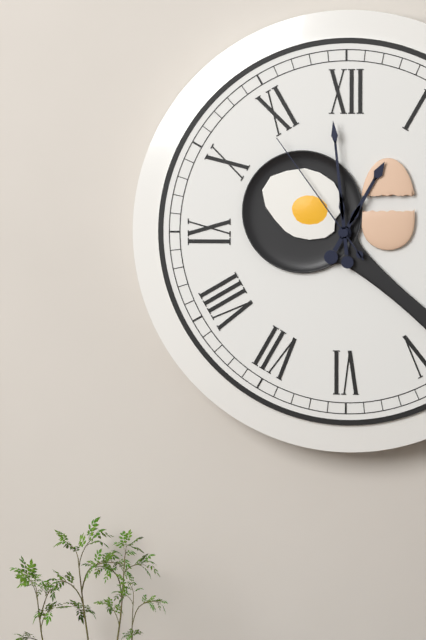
12:59:54
